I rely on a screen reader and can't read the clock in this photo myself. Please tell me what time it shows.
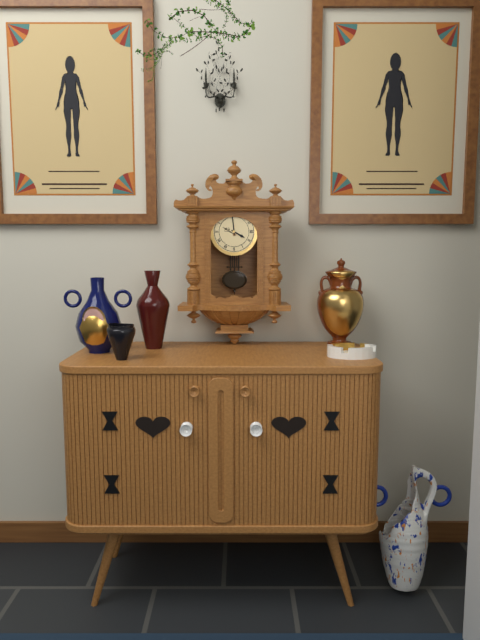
3:59
